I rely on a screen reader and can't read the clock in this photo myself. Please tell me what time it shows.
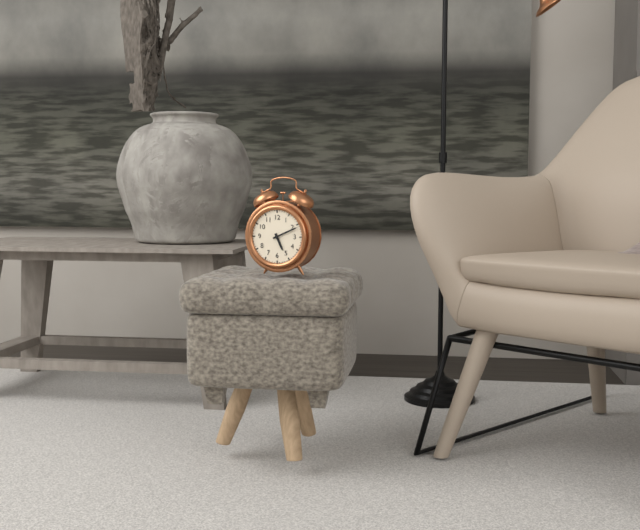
5:11
